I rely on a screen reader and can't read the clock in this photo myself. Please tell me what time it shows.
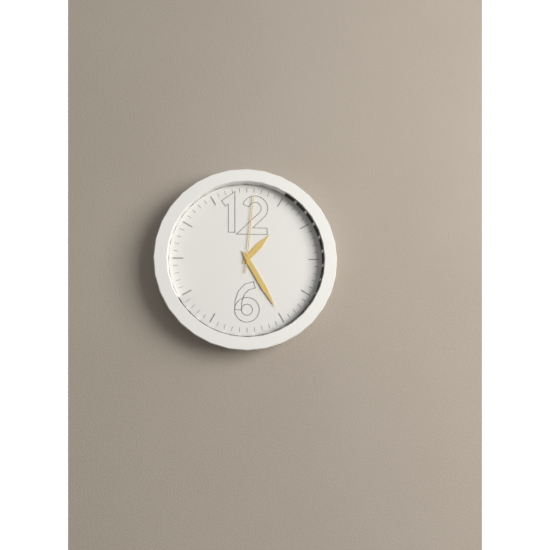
1:25:01
